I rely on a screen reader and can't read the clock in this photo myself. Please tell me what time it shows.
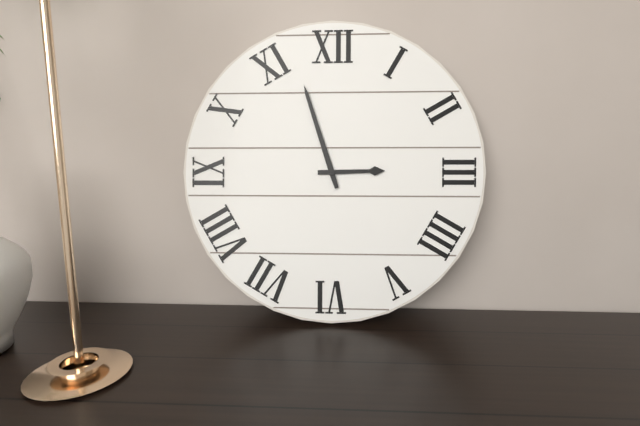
2:57
